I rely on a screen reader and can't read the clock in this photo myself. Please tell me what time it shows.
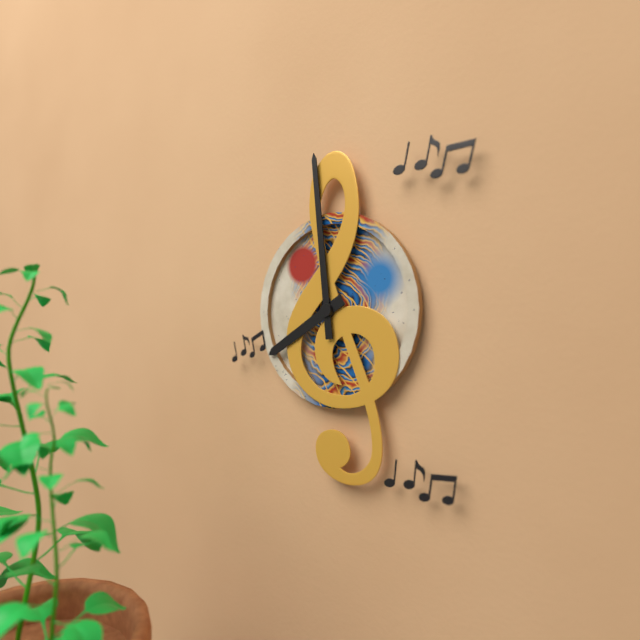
7:59
